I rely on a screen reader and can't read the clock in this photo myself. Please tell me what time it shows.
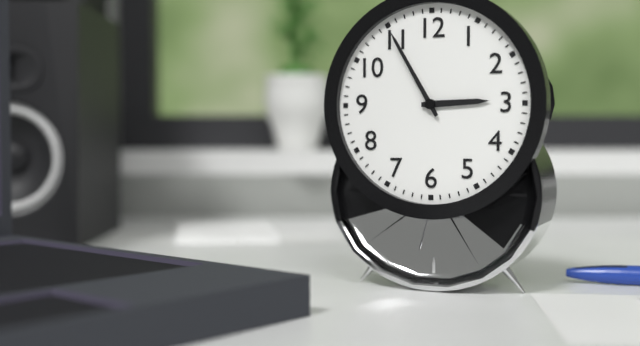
2:55
